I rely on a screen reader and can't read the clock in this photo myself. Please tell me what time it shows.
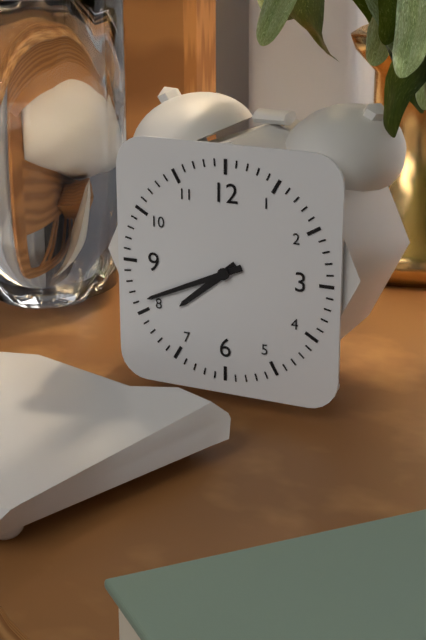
7:41
